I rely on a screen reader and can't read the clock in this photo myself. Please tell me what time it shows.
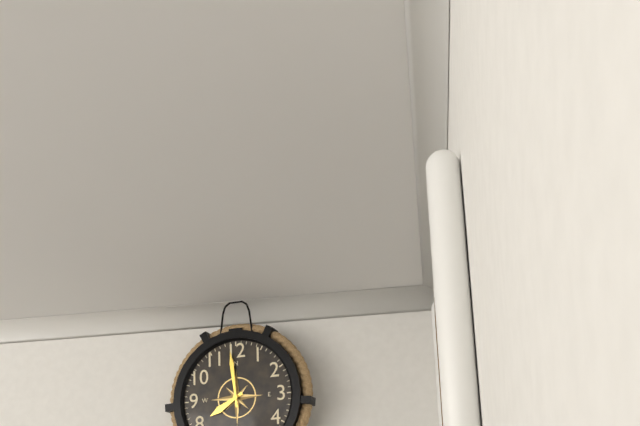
7:59
